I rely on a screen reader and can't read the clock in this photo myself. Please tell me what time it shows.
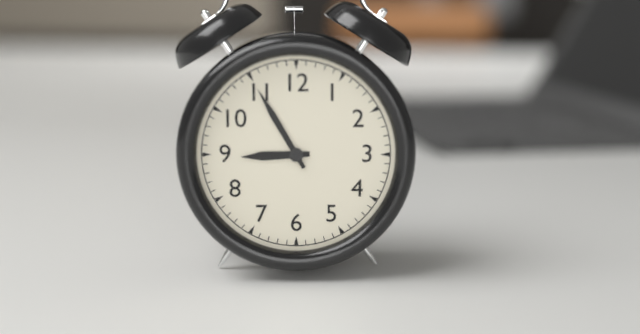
8:55
